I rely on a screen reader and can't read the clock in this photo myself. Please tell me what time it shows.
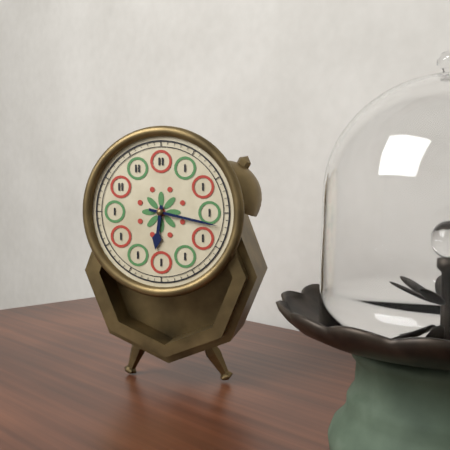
6:17
